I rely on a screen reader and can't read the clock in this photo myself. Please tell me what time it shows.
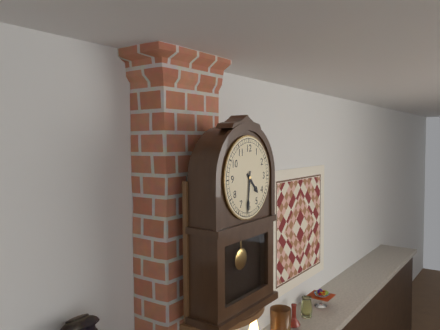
4:31
